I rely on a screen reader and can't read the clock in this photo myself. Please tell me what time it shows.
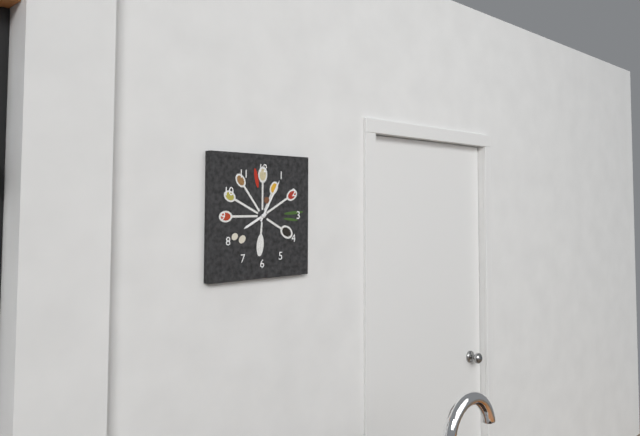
8:05
